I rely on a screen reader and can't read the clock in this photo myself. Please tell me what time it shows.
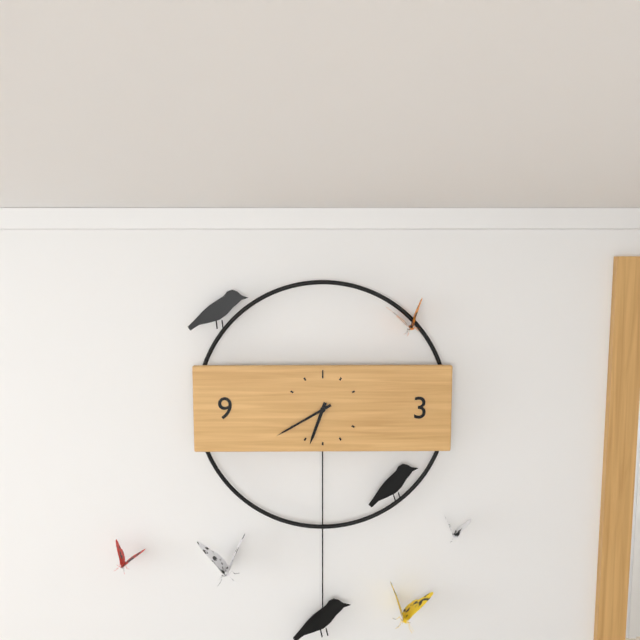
6:40
